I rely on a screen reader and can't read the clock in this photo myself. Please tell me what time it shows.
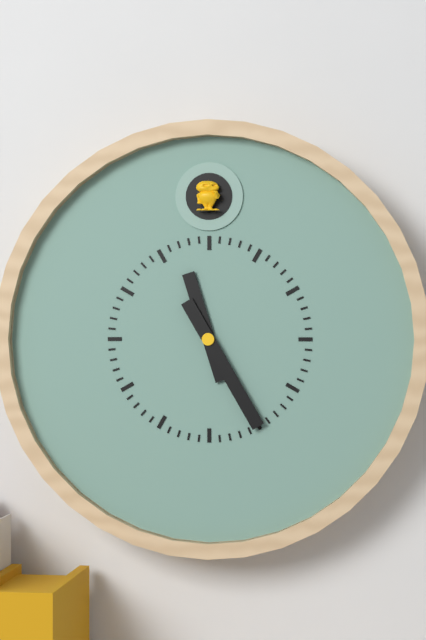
11:25
